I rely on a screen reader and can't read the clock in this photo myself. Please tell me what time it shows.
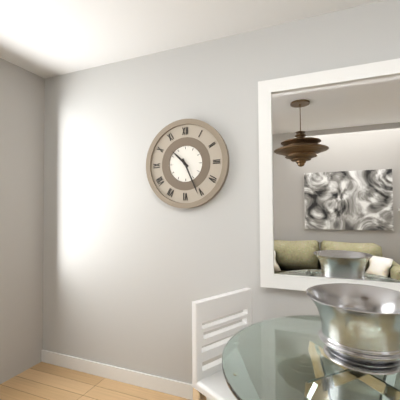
10:26
